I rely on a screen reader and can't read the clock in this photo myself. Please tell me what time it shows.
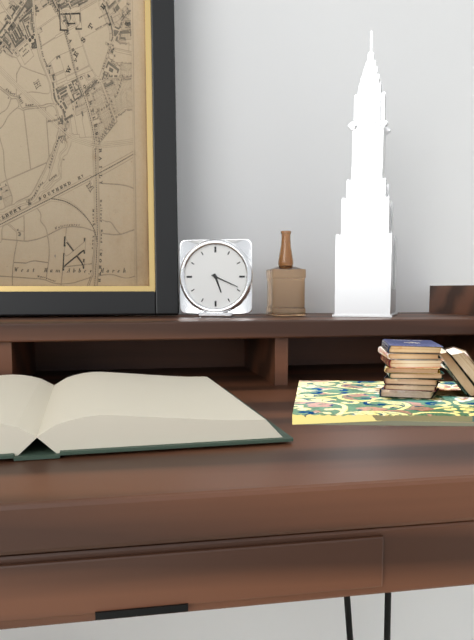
5:19
